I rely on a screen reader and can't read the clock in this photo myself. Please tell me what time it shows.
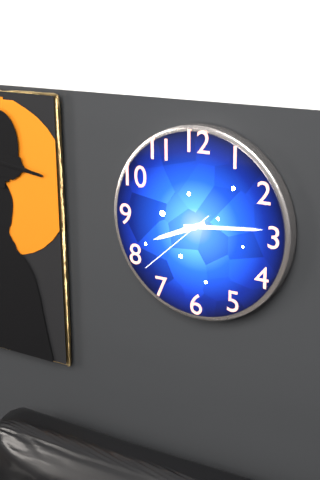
8:14:38
